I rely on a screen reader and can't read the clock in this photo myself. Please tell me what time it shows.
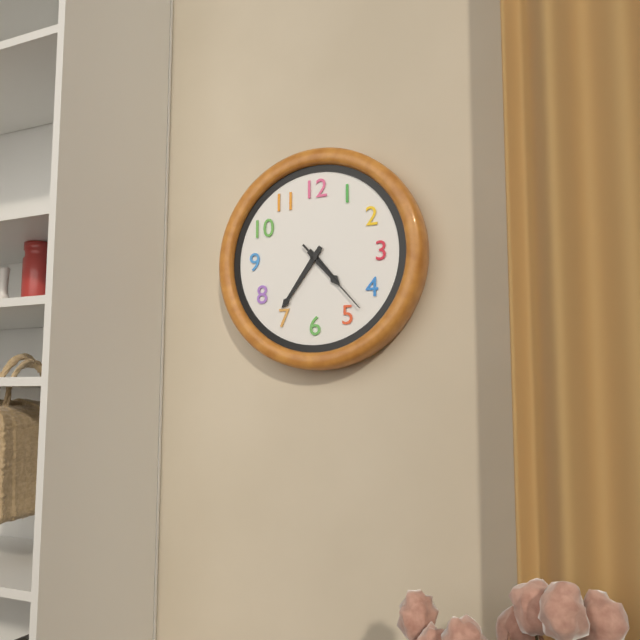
4:36:23
